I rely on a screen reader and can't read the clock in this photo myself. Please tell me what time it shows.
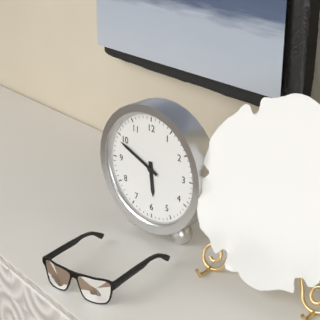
5:49
